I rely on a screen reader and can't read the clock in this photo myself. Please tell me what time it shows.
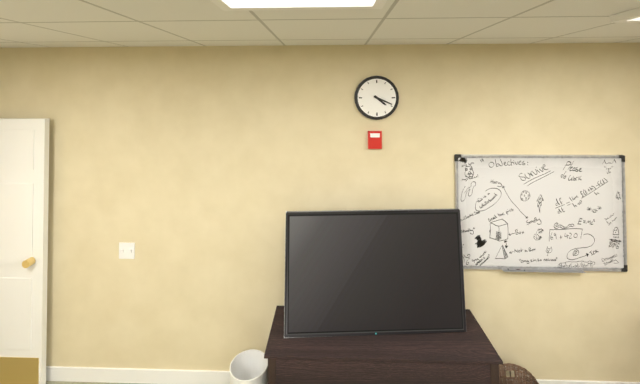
4:19
